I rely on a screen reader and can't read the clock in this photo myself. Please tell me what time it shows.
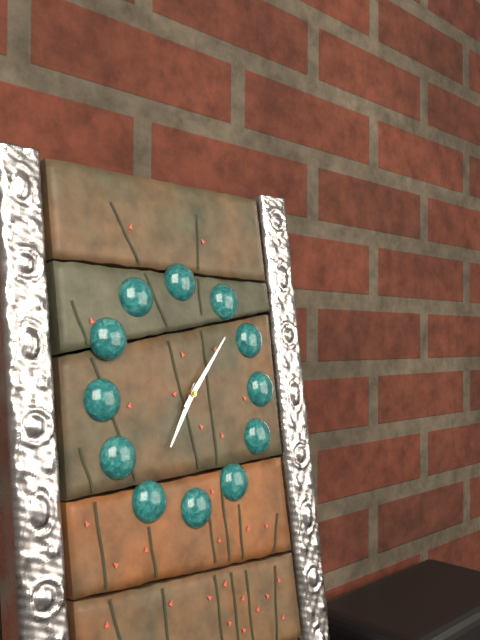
7:07
